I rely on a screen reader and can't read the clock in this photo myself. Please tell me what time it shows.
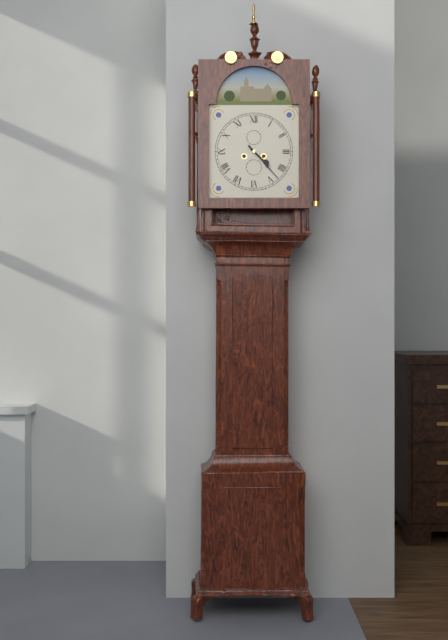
4:23
